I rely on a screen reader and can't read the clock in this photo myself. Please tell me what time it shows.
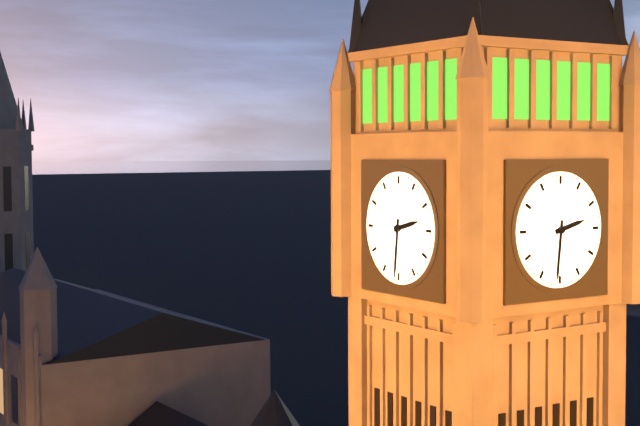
2:31
